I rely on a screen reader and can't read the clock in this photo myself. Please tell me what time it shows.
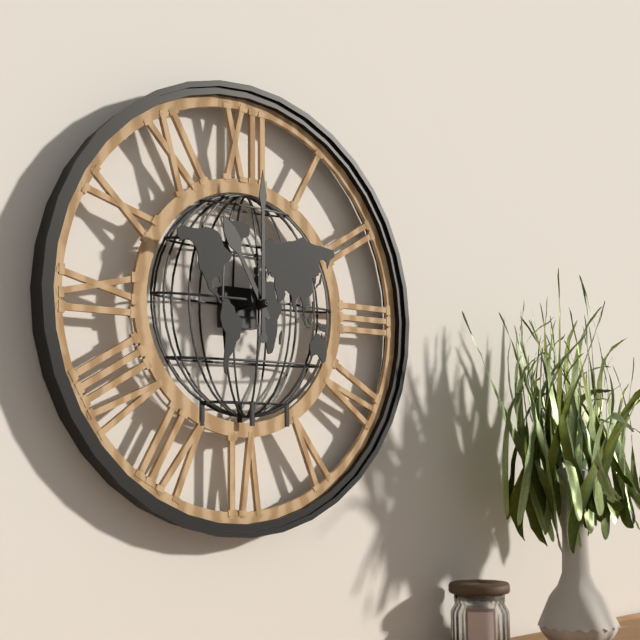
11:00
